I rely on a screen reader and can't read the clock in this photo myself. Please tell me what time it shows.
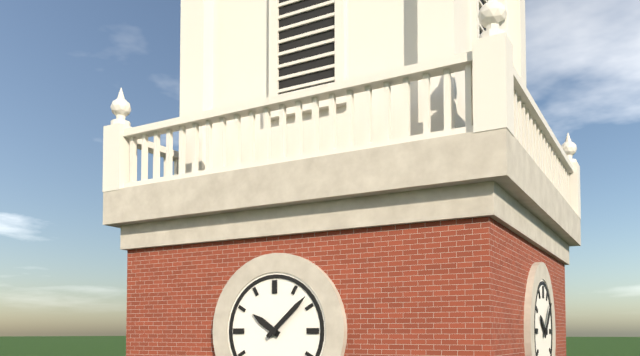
10:08
